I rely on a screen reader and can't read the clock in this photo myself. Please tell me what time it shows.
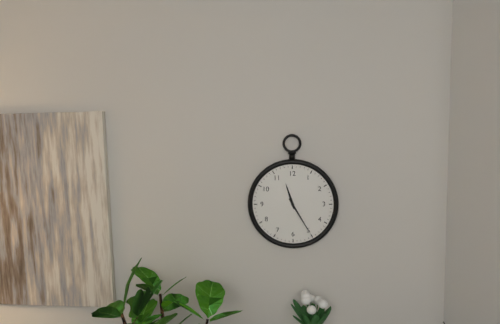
11:25
